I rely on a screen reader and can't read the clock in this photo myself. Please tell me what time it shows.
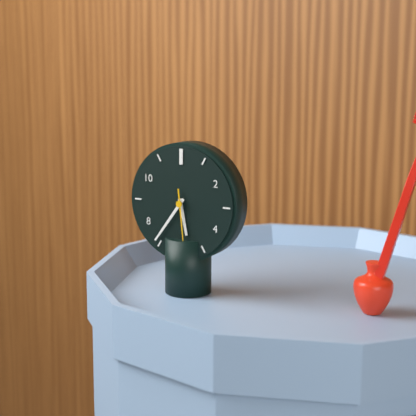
5:36:29
